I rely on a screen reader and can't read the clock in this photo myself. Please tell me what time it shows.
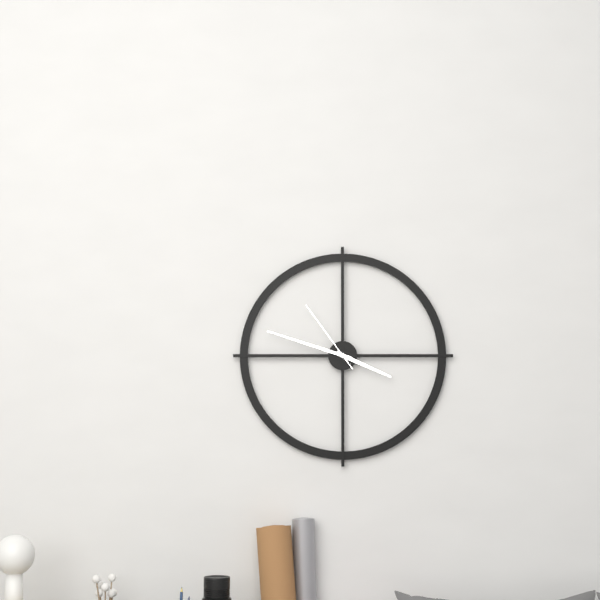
3:48:54
